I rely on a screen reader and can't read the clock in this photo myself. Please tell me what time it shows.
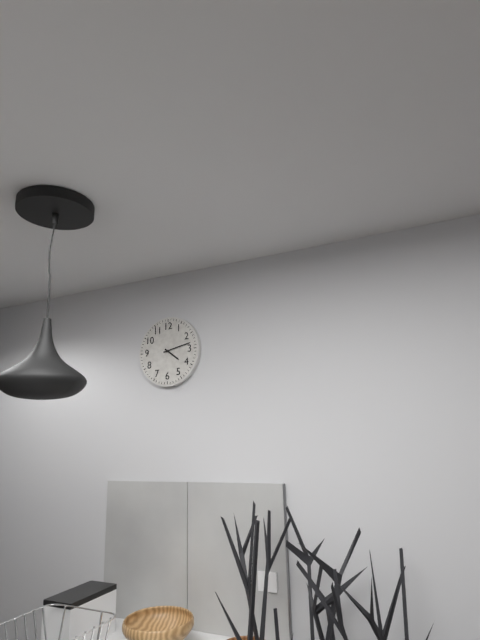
4:13
